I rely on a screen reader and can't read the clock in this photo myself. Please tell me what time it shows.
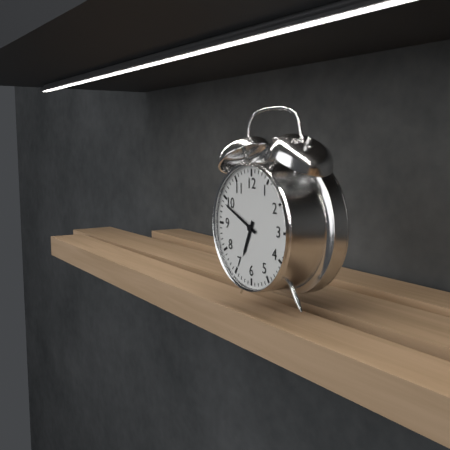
6:49
